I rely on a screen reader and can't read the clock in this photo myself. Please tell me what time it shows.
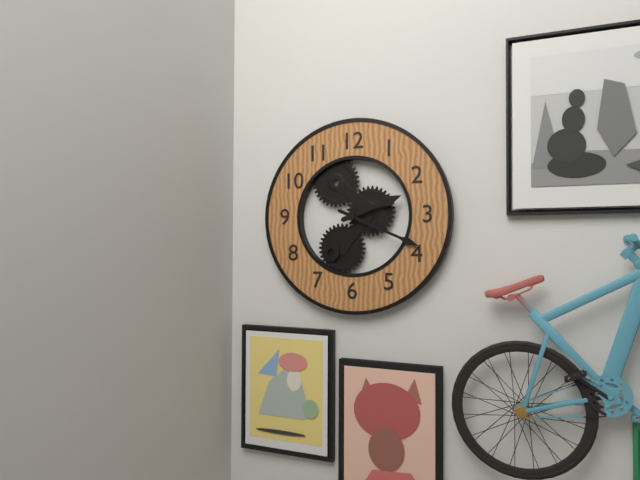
2:19
